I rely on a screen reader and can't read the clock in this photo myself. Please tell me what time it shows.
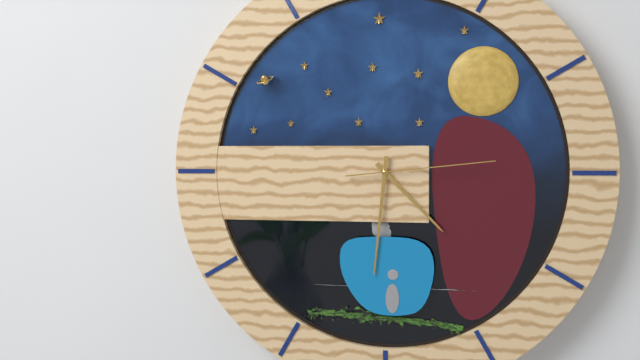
4:31:14
